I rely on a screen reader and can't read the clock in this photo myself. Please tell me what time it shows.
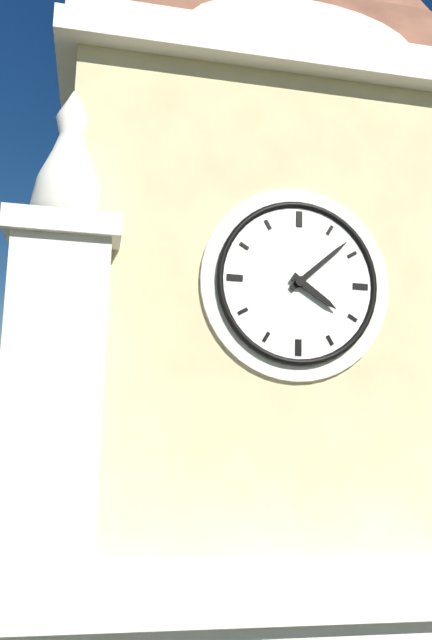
4:08
